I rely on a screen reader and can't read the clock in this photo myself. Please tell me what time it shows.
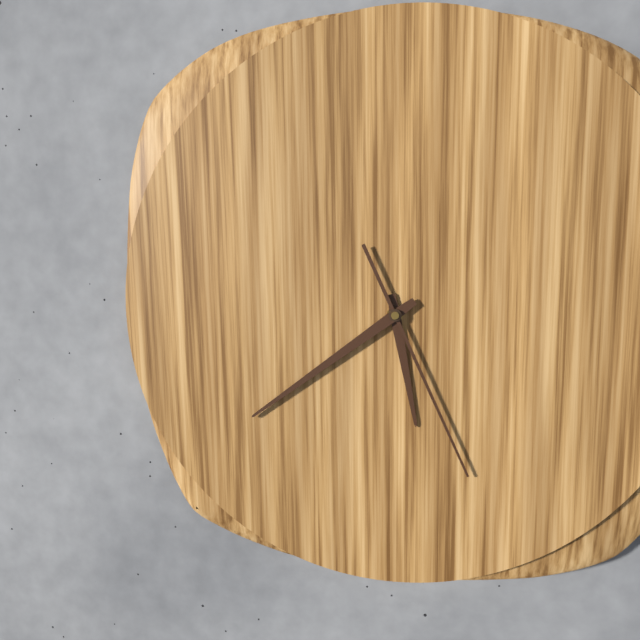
5:39:26
